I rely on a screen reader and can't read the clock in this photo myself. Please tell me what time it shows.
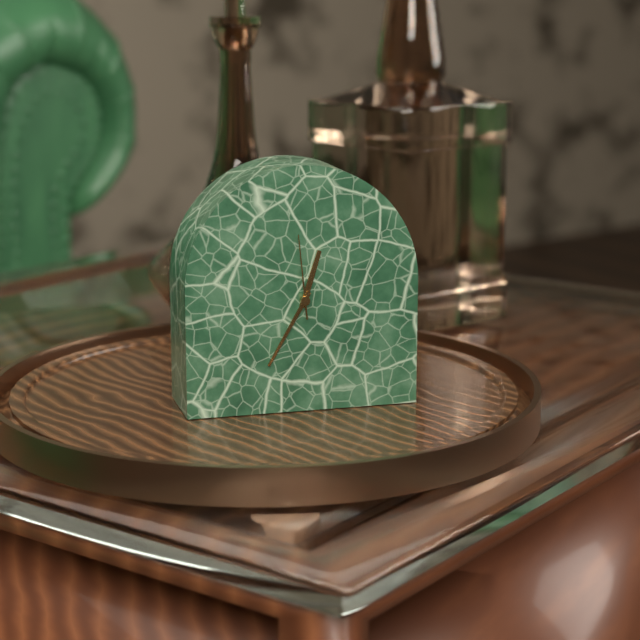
12:35:59
